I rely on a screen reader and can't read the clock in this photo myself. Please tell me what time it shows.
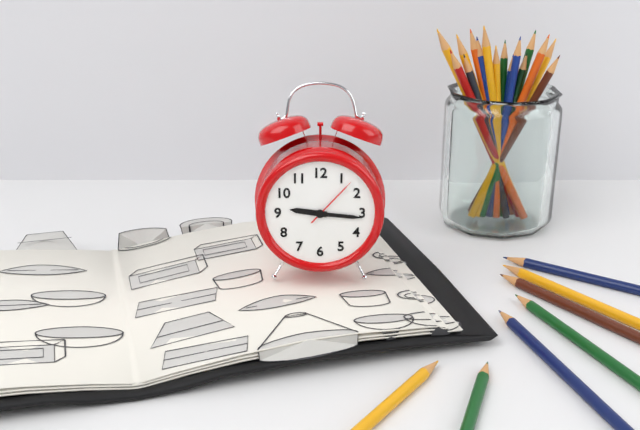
9:16:07
